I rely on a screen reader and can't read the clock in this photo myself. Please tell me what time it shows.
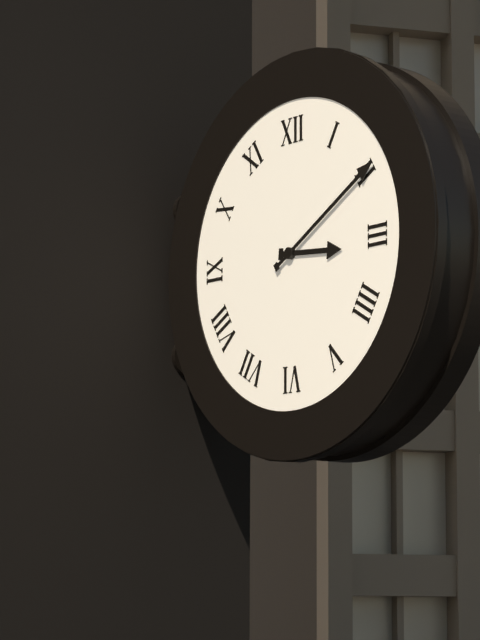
3:10
